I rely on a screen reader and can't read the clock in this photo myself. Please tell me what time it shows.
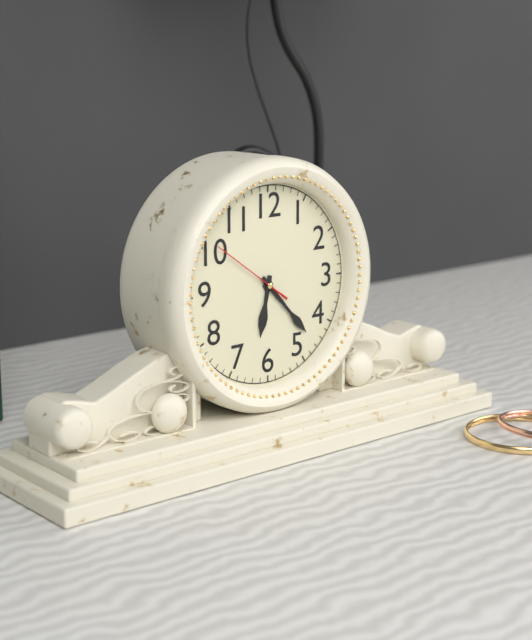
6:23:51
